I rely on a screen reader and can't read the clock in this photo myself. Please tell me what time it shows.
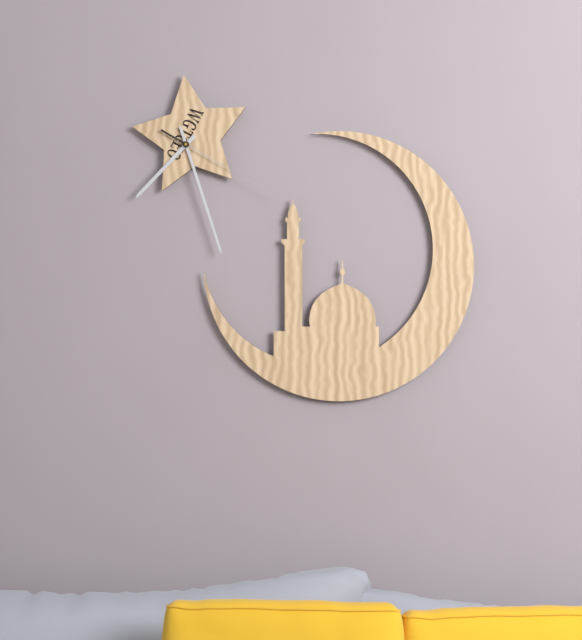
7:27:20
